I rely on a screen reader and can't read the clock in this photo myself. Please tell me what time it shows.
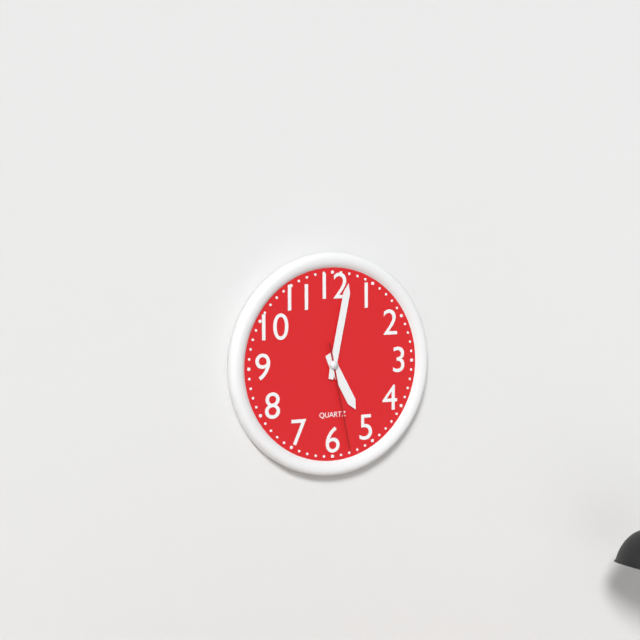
5:02:28
